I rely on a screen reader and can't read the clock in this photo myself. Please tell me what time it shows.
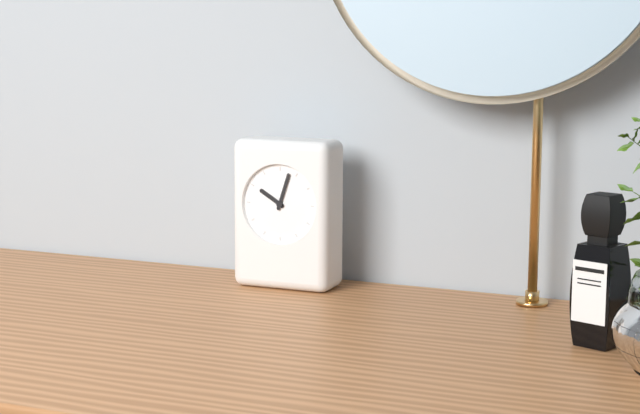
10:03
